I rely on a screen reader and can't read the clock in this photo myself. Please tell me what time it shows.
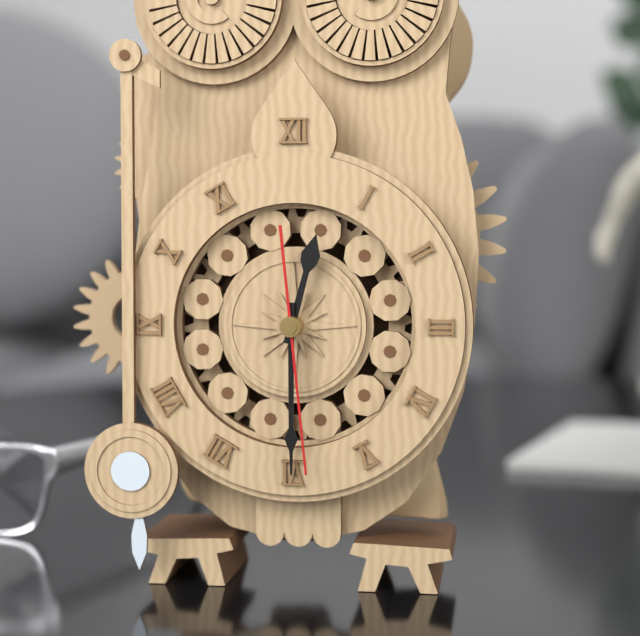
12:30:29
